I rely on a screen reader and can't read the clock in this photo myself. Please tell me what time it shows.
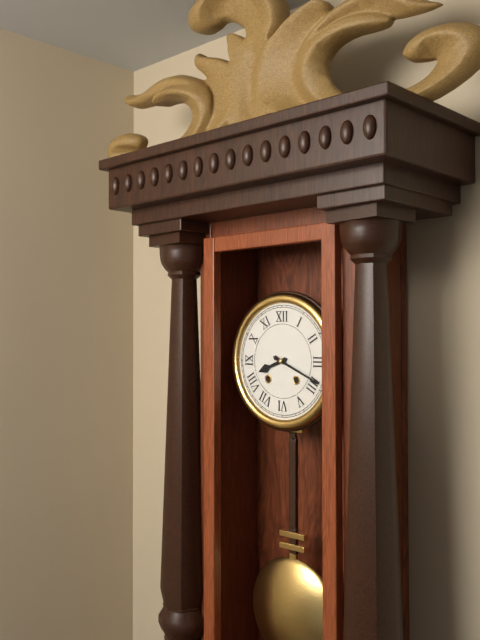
8:19
